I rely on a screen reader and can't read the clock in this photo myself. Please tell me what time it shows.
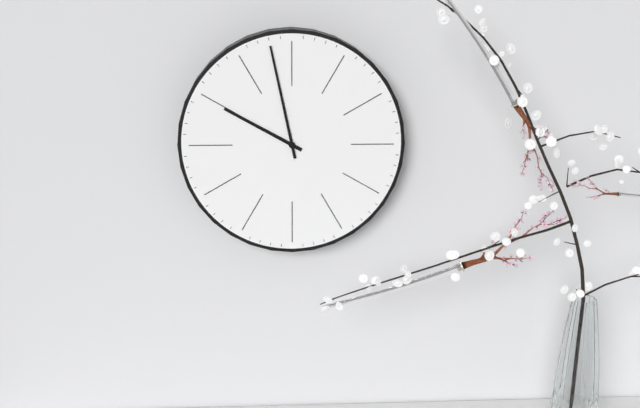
9:58
